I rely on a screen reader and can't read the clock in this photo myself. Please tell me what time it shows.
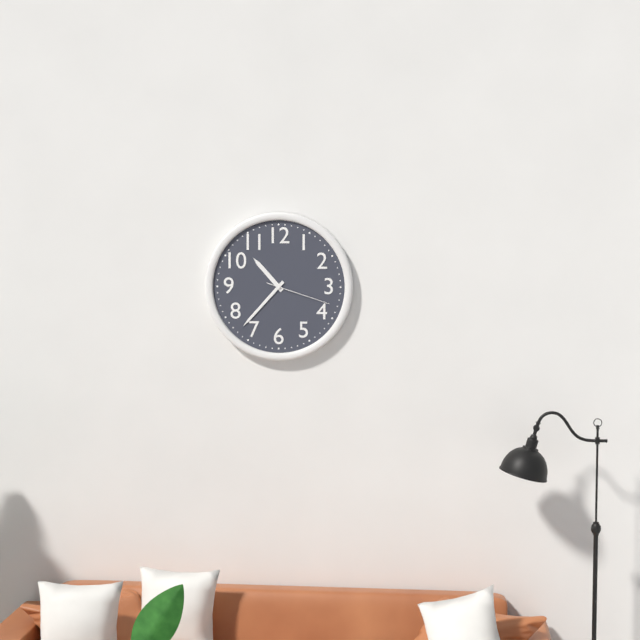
10:37:18
